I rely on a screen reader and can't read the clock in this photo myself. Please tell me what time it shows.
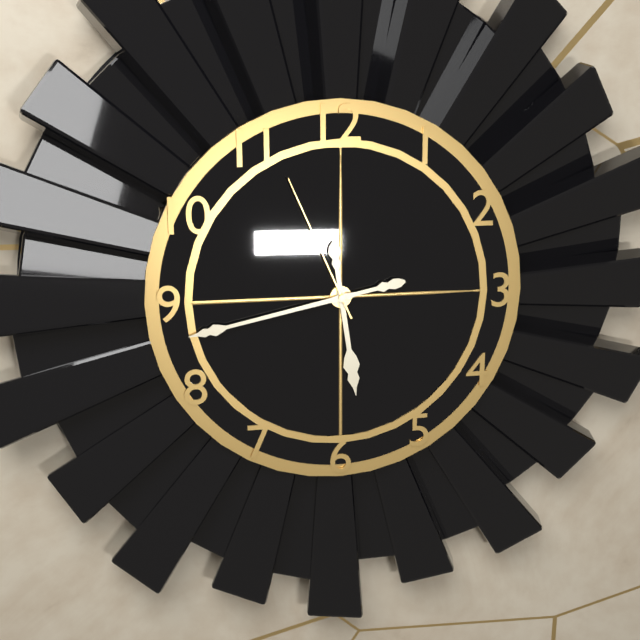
5:43:56
